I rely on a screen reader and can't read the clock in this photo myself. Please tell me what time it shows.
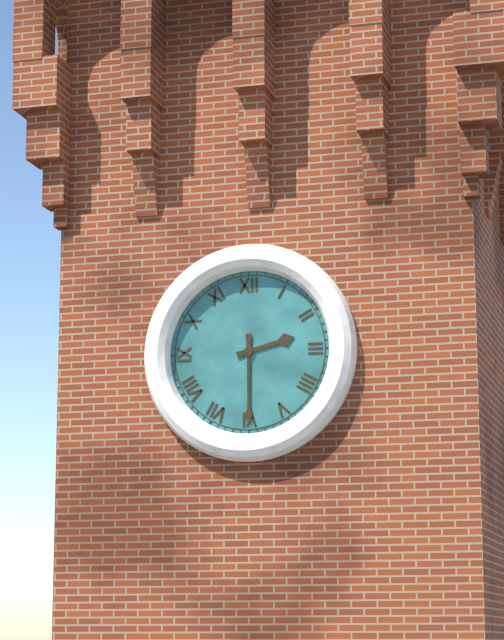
2:30
